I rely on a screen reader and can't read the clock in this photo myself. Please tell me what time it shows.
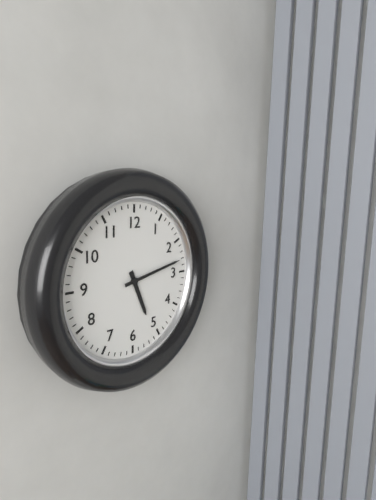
5:13
